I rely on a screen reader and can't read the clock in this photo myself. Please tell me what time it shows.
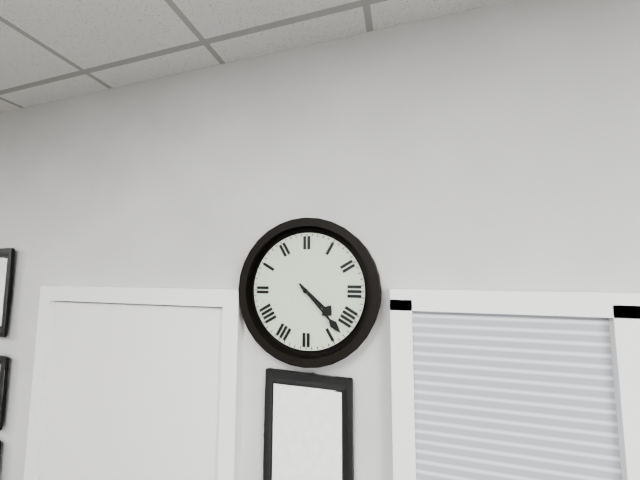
4:23
